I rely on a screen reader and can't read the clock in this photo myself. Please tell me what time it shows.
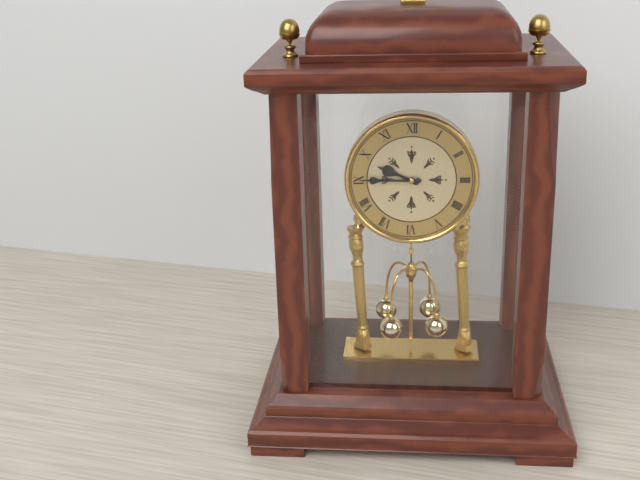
9:45
